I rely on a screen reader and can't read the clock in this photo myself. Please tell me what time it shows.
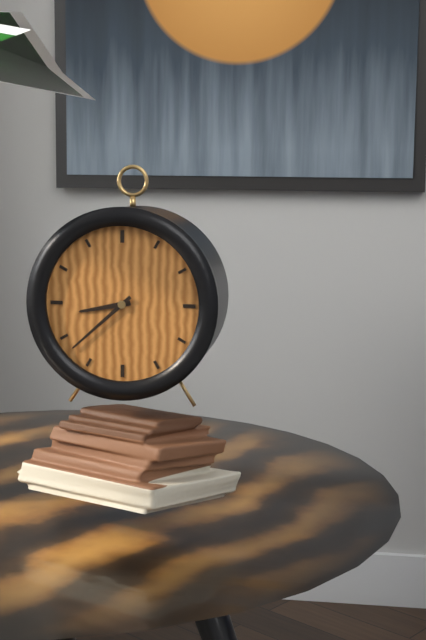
8:38
